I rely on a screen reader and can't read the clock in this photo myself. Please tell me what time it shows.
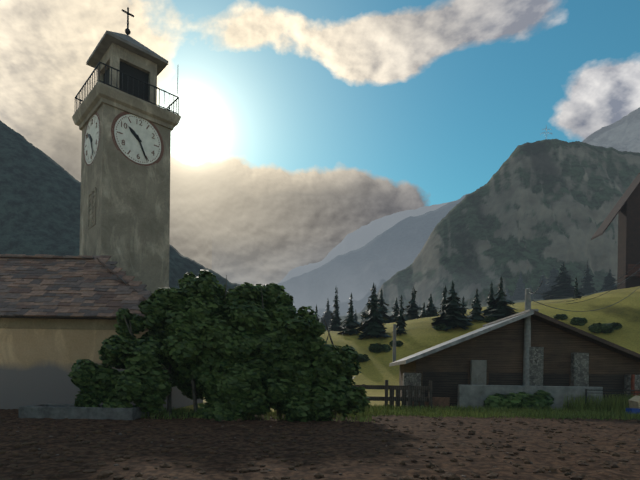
10:26
